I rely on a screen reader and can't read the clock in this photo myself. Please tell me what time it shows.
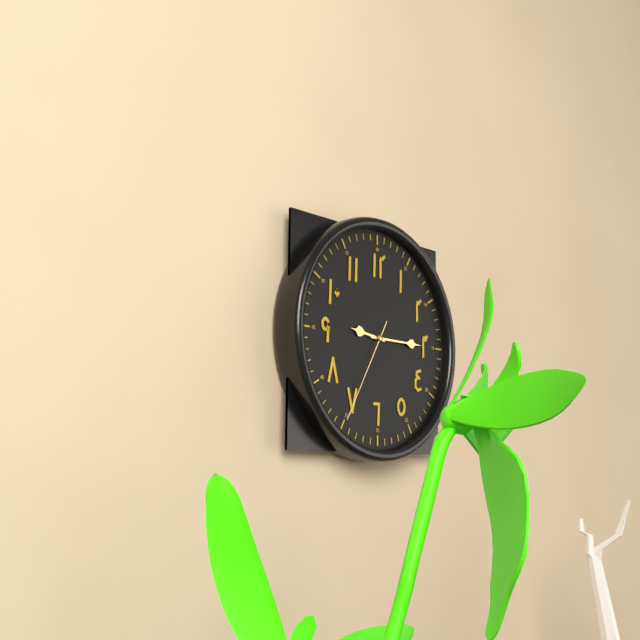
9:15:35
